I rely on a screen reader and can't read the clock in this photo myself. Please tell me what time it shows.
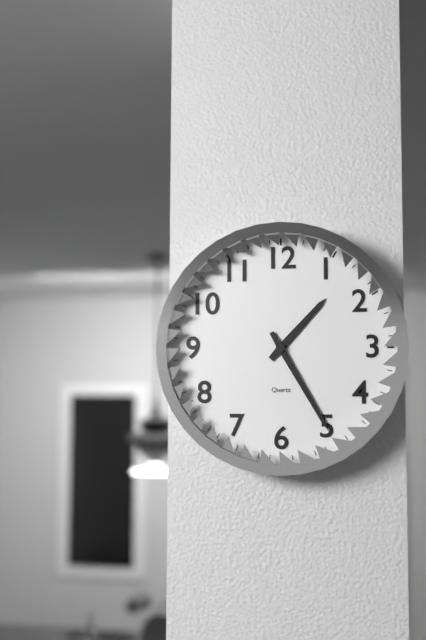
1:25
